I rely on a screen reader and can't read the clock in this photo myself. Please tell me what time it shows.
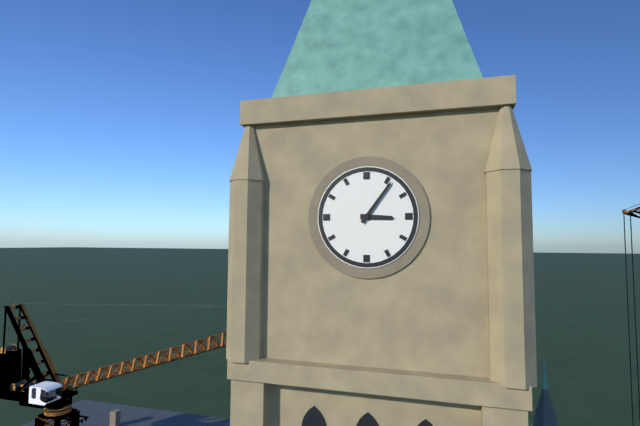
3:06
